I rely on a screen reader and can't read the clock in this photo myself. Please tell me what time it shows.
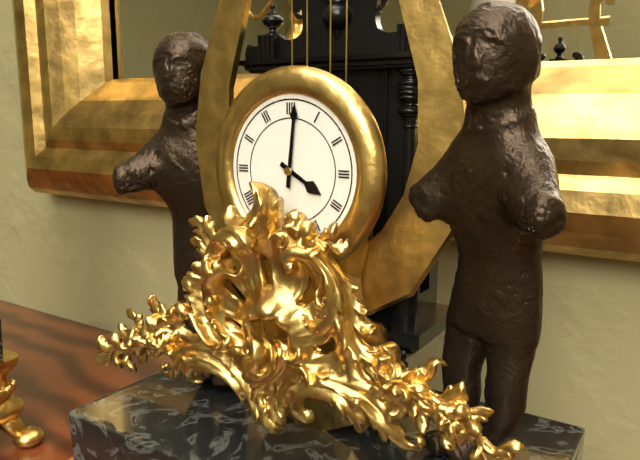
4:01
